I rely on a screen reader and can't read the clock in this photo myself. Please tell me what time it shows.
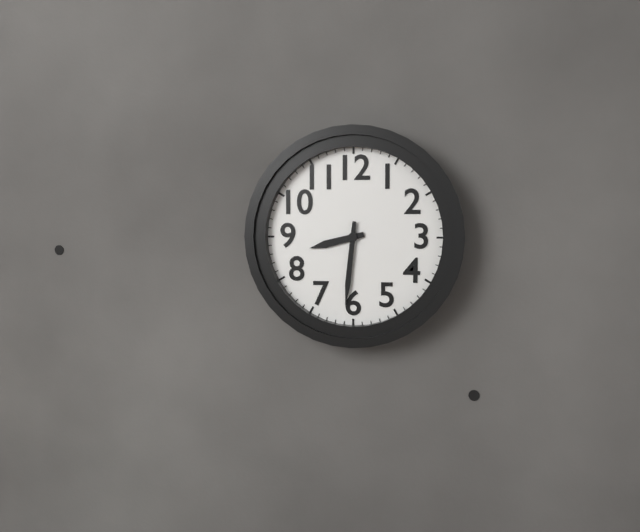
8:31
